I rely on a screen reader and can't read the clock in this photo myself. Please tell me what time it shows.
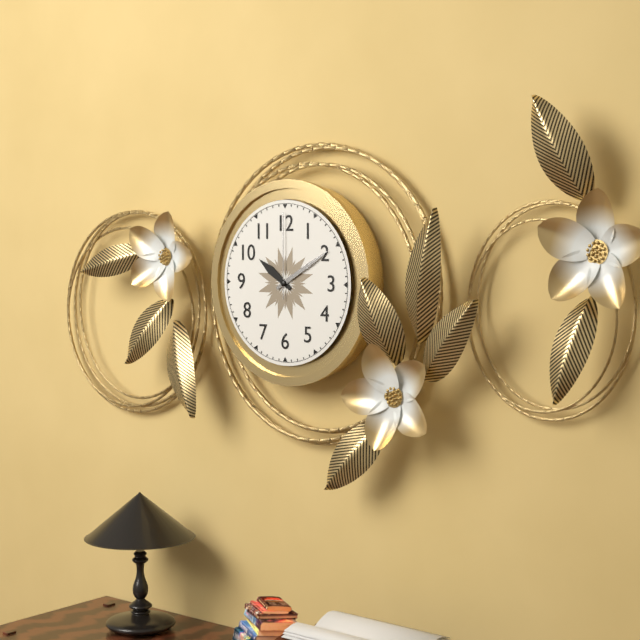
10:10:00
